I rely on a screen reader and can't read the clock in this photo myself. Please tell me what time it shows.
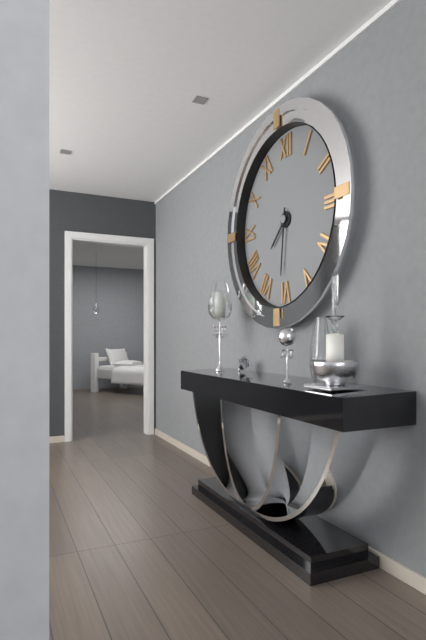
7:31
